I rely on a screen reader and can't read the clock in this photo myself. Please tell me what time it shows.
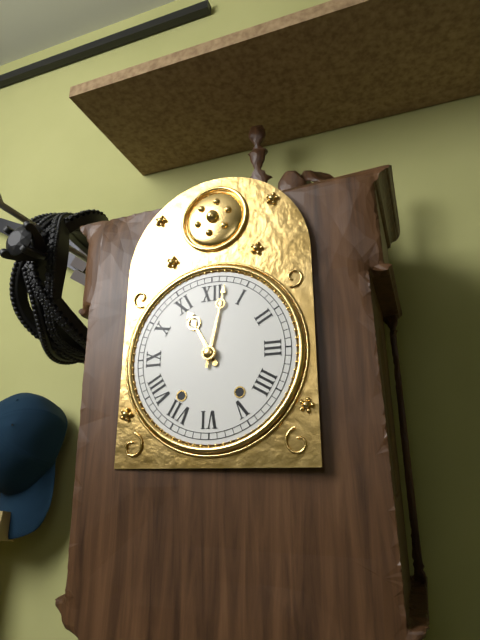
11:02
